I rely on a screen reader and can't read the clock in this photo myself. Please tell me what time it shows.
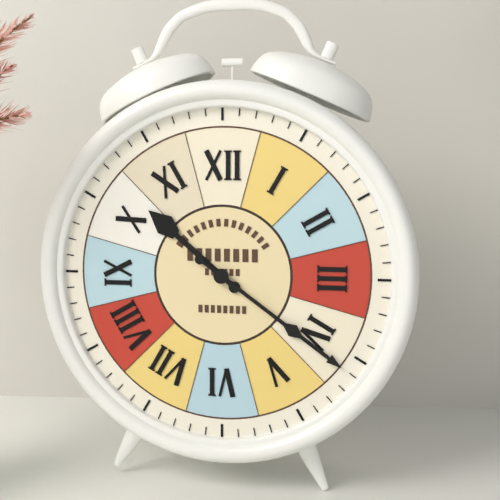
10:21
